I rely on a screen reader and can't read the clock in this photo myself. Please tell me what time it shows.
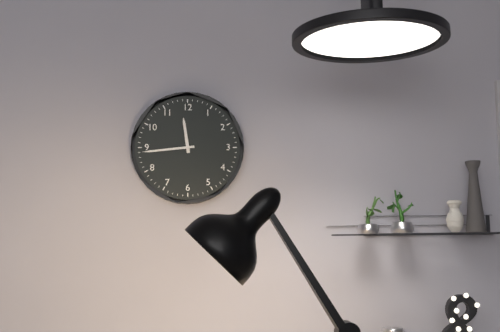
11:44
